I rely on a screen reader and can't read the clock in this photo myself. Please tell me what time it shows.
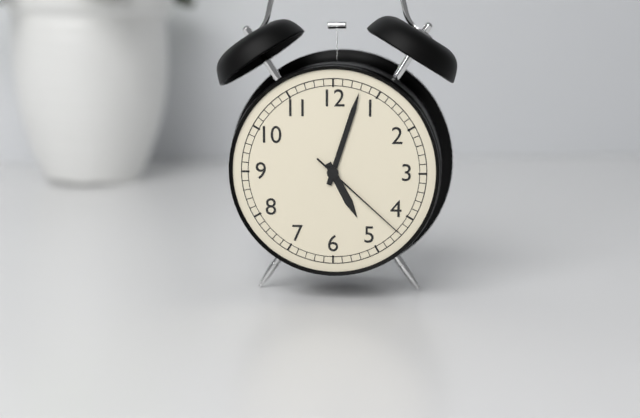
5:03:22
